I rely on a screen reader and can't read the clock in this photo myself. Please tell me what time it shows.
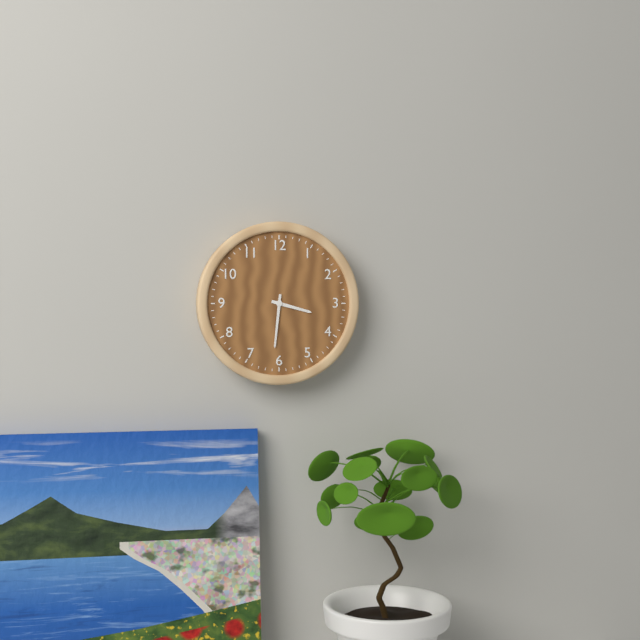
3:31
